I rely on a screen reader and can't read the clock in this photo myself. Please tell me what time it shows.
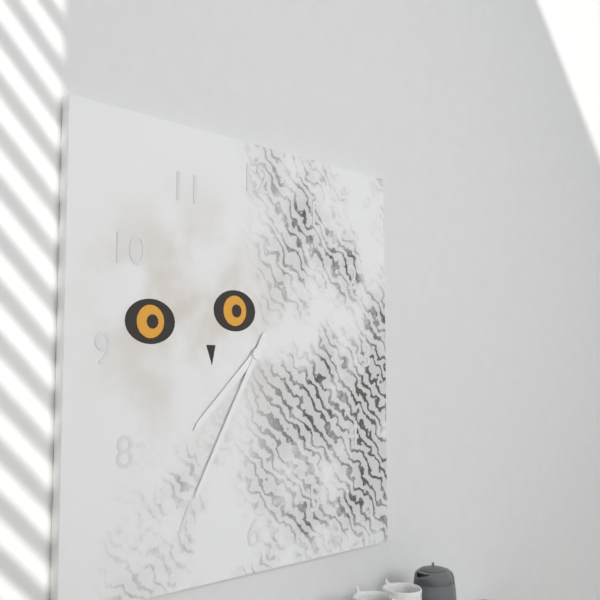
7:35
